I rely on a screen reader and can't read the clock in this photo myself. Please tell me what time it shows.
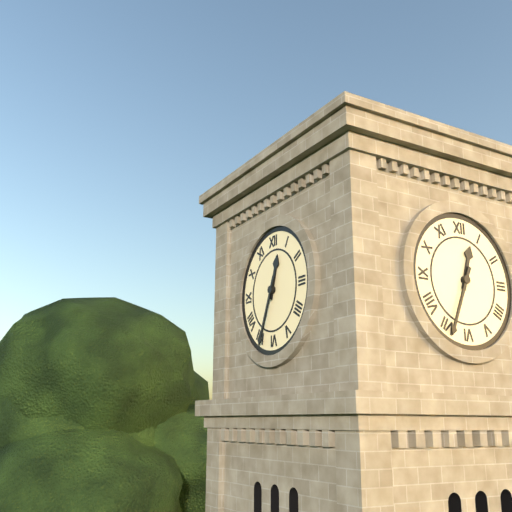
12:34
